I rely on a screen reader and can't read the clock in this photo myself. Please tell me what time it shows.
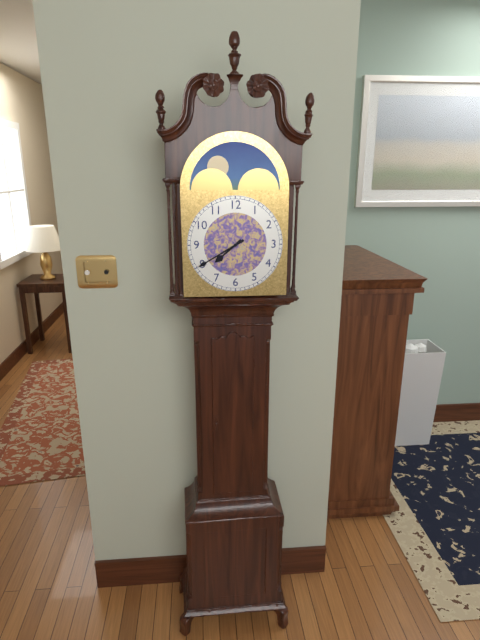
7:40
